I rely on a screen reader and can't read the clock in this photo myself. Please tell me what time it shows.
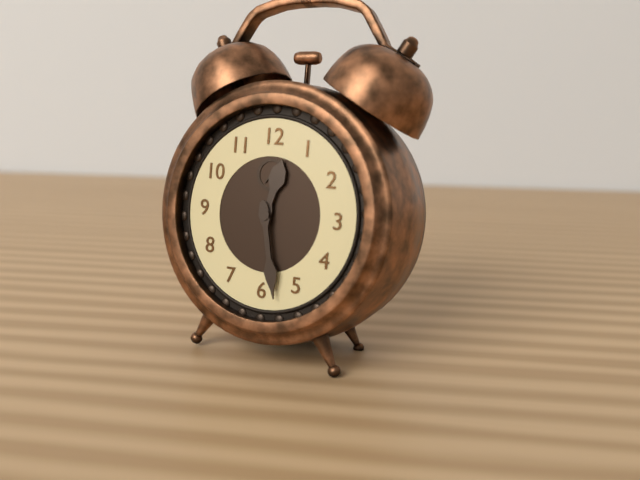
12:28
